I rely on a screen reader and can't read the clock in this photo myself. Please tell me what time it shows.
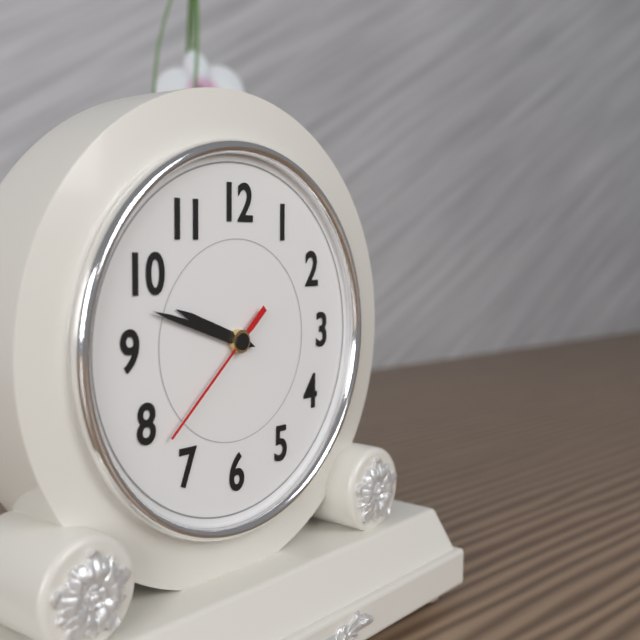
9:48:38
